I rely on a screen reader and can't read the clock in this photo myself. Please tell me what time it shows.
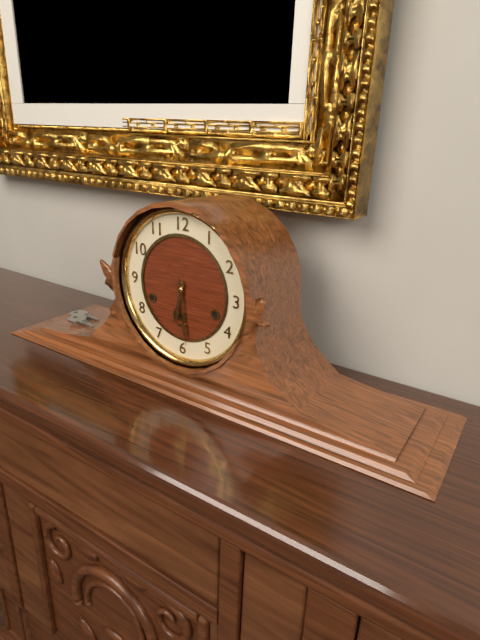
6:29
